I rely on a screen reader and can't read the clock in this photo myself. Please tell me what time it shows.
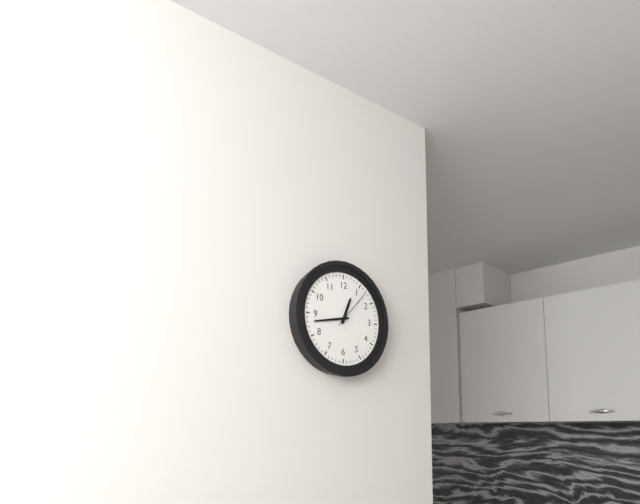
12:43
